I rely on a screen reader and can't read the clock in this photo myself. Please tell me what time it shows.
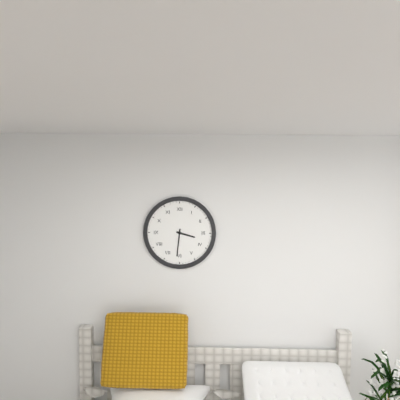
3:31
